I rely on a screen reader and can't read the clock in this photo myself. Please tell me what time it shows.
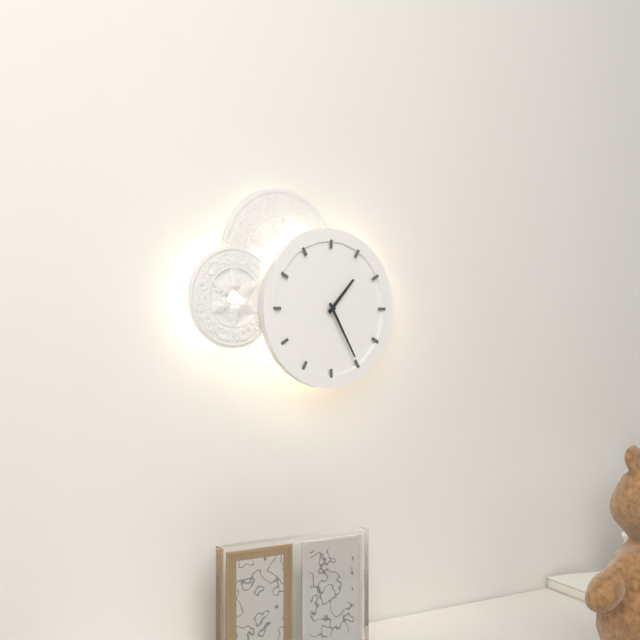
1:25
